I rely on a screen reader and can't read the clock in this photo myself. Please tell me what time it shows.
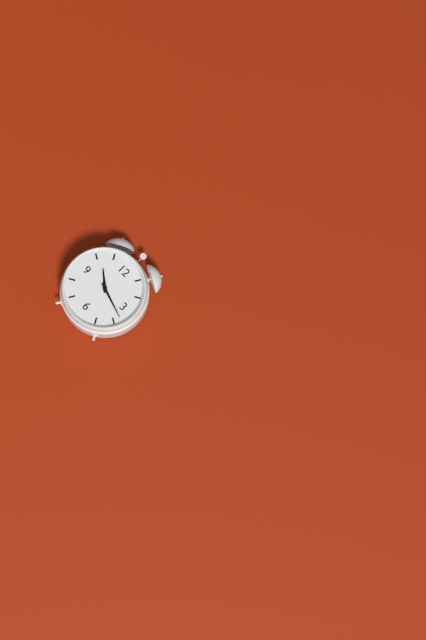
10:18
